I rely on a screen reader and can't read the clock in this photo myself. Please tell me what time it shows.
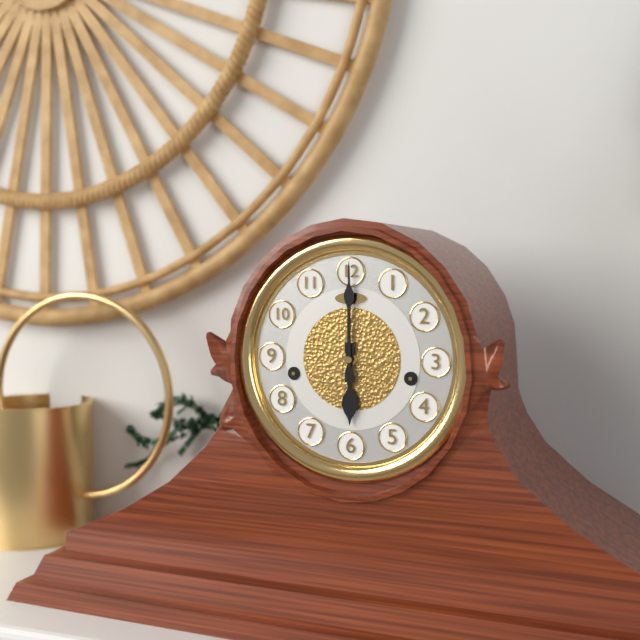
6:00
